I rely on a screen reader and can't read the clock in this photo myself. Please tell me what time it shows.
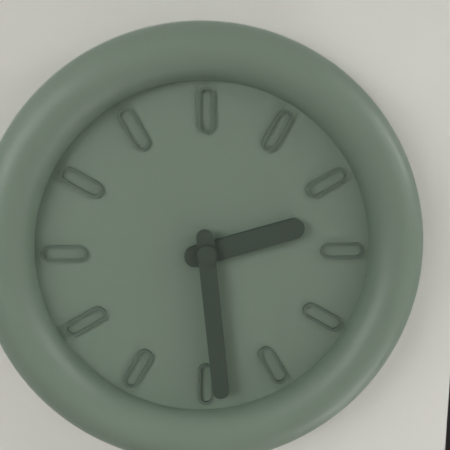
2:29
